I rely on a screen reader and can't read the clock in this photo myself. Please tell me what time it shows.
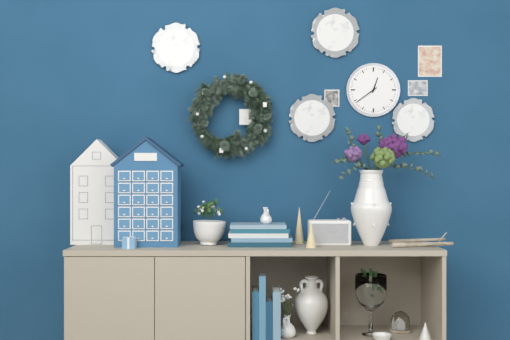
12:39
